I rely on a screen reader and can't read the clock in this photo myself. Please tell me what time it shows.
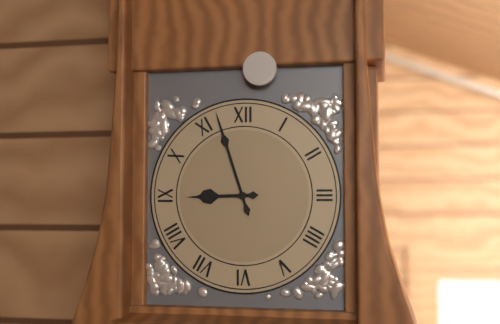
8:57
